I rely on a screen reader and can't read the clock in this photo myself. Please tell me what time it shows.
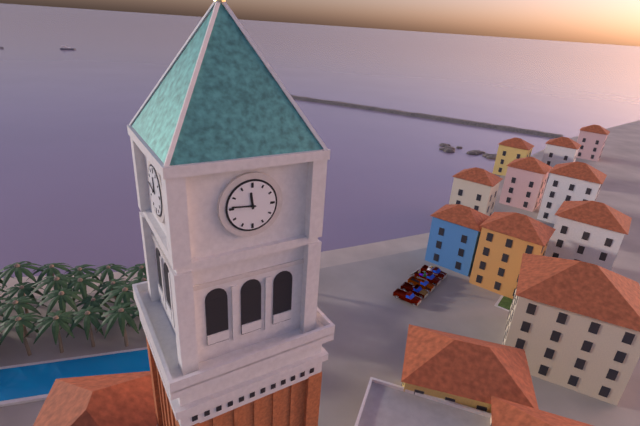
11:46
